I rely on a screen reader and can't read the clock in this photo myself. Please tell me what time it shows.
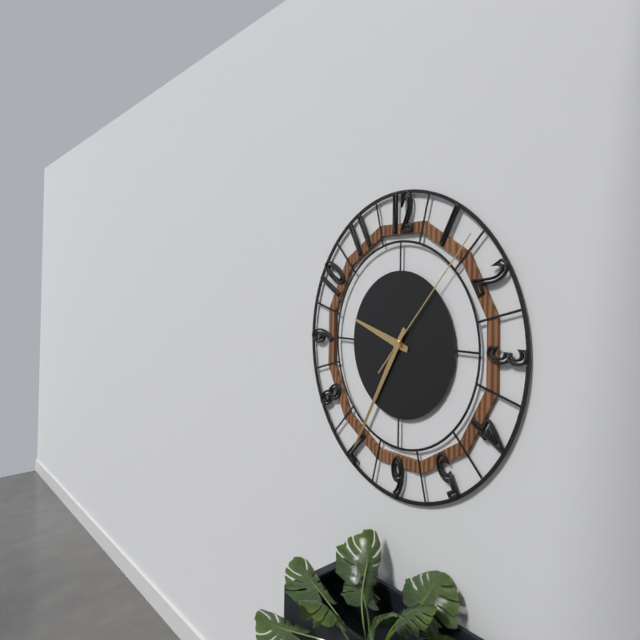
9:35:07
